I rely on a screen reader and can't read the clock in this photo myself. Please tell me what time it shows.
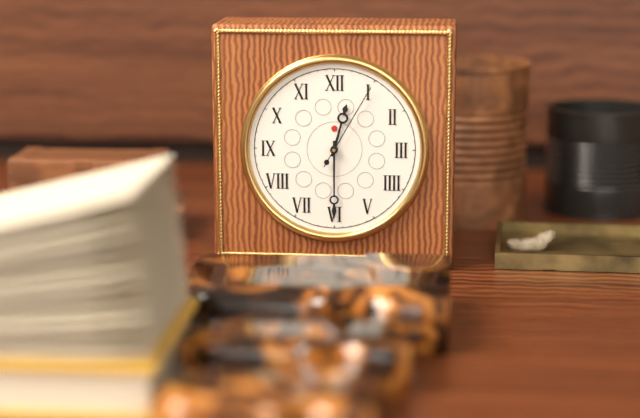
12:30:05
